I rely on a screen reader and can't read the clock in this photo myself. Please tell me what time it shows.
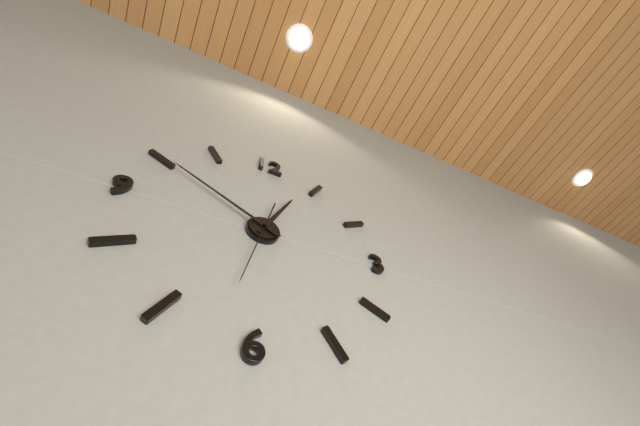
12:50:32
